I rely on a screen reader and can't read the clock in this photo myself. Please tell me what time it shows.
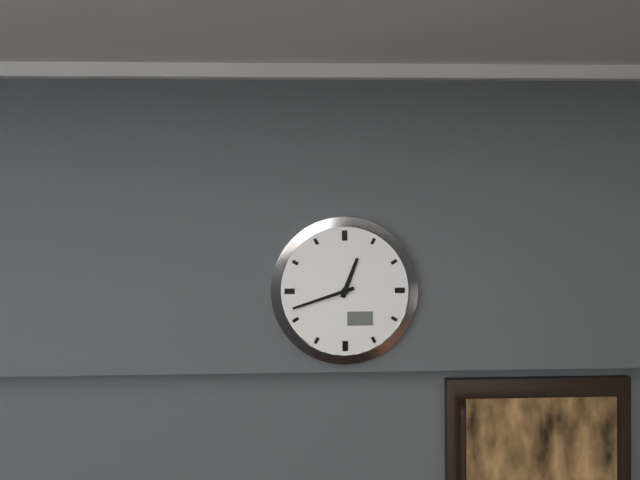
12:42
